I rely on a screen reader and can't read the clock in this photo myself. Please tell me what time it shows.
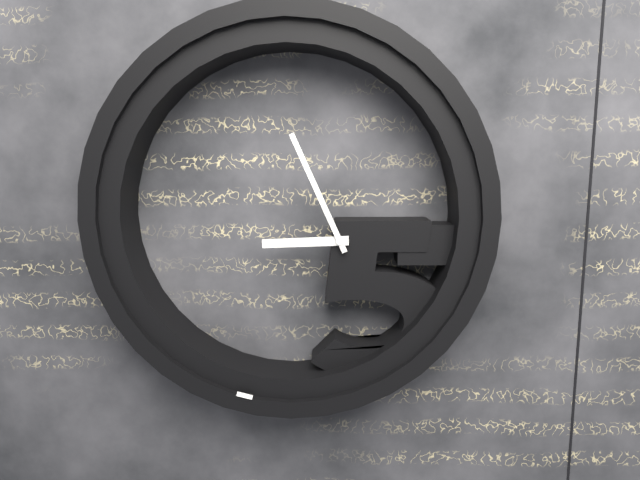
8:56
